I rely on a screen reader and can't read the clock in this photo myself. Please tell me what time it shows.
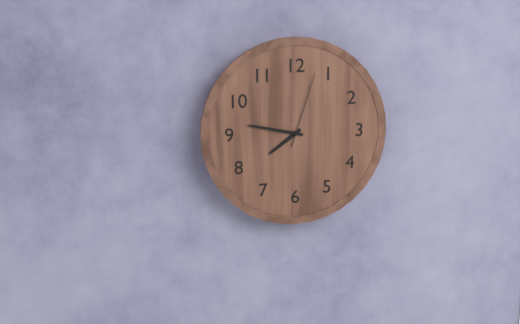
7:47:03
